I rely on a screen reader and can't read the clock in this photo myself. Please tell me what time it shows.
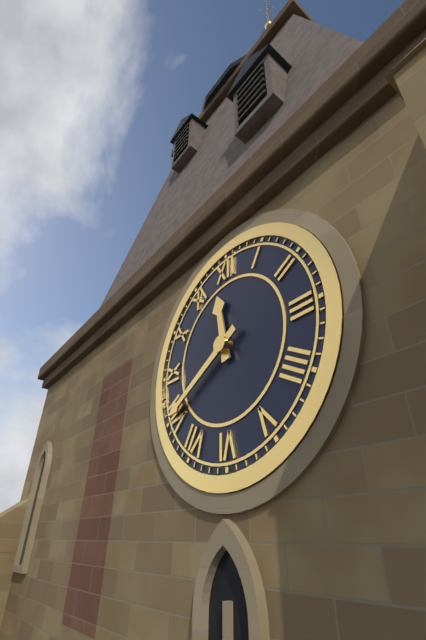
11:40
